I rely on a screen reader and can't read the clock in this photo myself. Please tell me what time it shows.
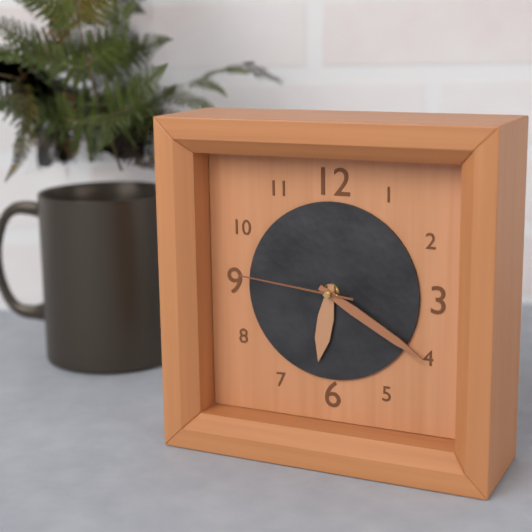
6:20:46
